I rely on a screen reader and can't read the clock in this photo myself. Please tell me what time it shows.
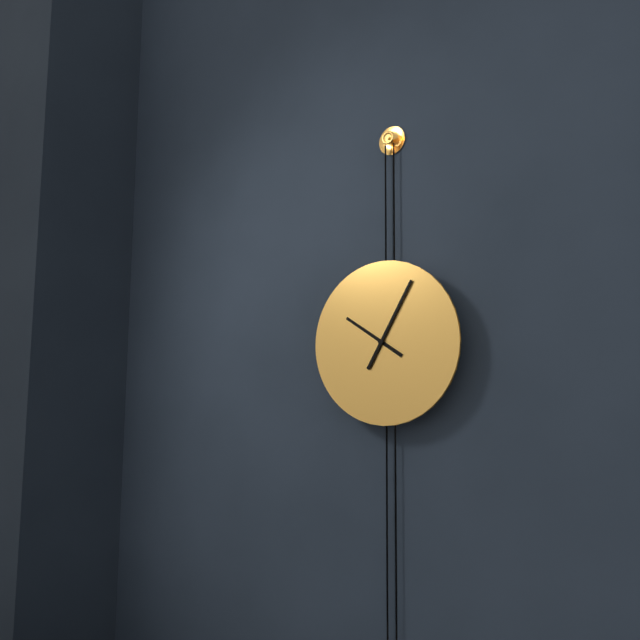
10:05
